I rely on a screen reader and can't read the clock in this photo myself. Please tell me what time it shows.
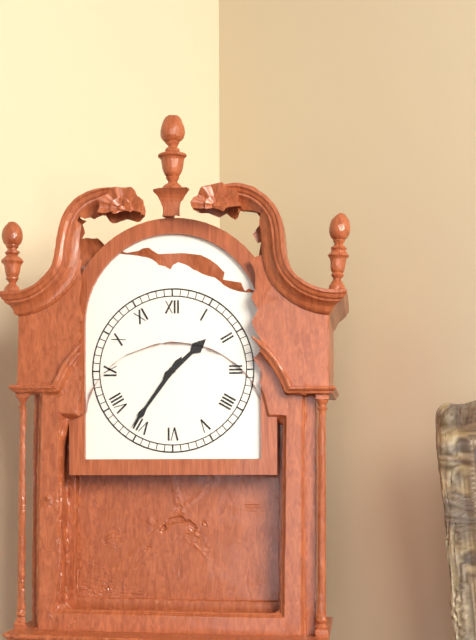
1:36
